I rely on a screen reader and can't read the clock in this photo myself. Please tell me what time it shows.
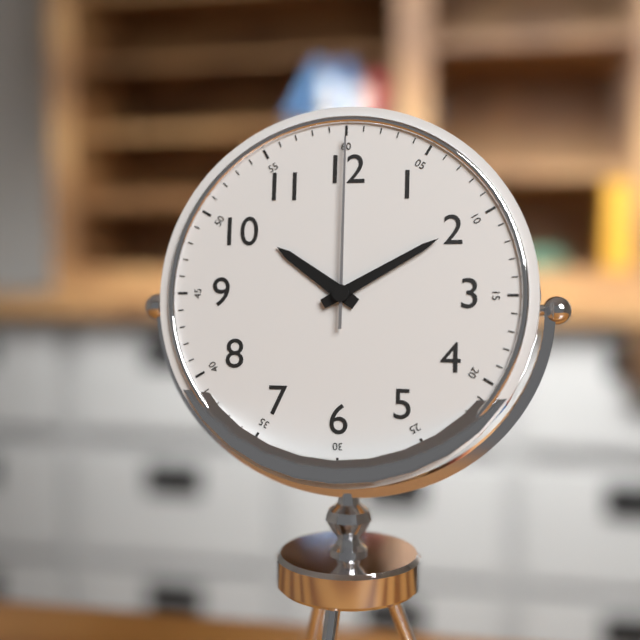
10:10:00
